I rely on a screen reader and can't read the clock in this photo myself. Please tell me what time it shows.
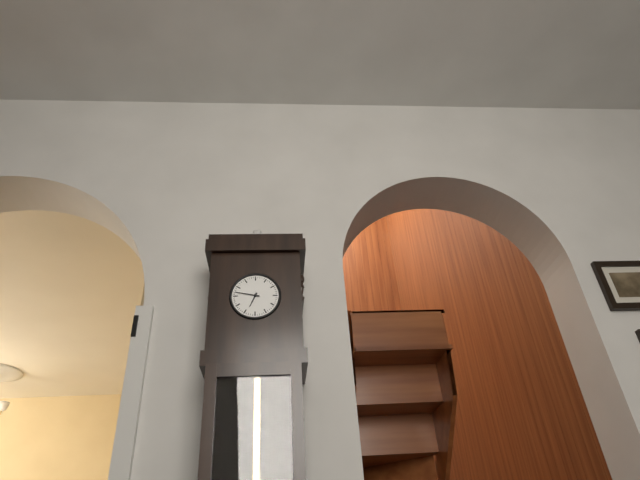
6:47
